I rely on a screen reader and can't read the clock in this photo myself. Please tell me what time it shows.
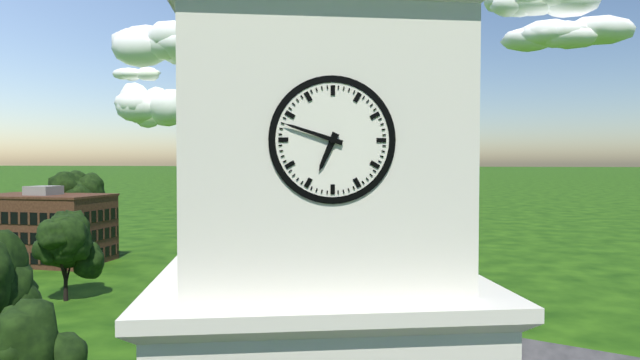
6:48
